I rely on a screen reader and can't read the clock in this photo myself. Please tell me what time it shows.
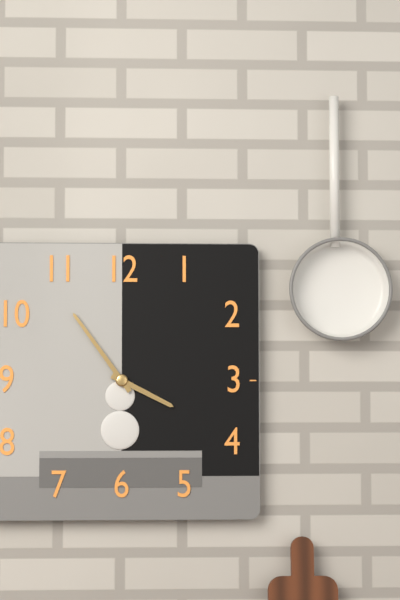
3:54
